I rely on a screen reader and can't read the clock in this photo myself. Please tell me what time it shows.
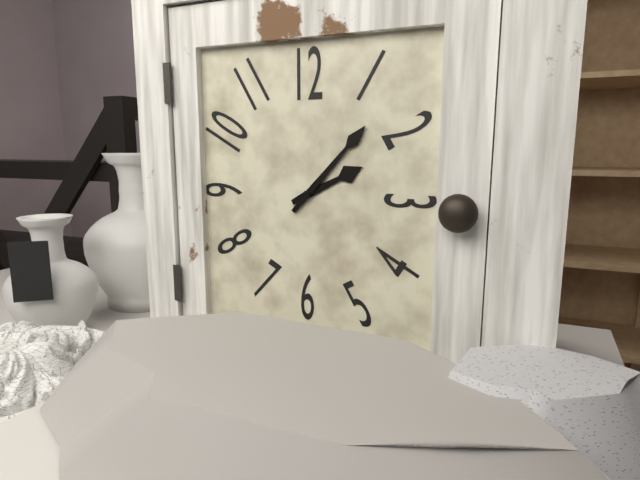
2:07
